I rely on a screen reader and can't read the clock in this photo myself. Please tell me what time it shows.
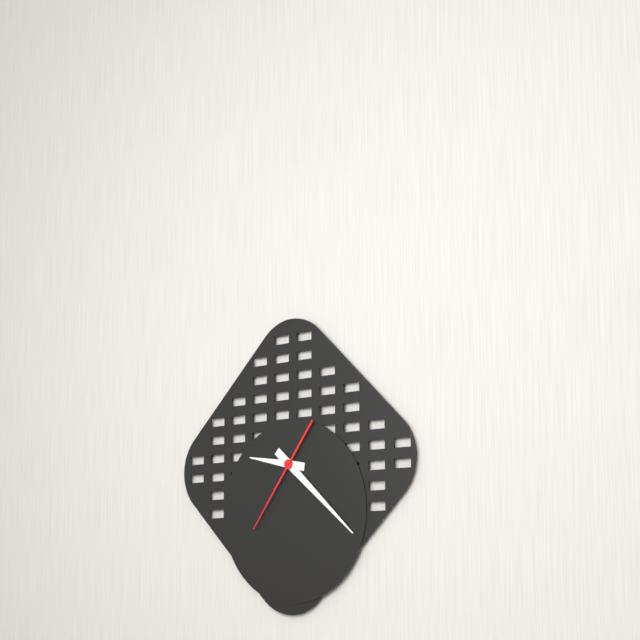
9:22:36
